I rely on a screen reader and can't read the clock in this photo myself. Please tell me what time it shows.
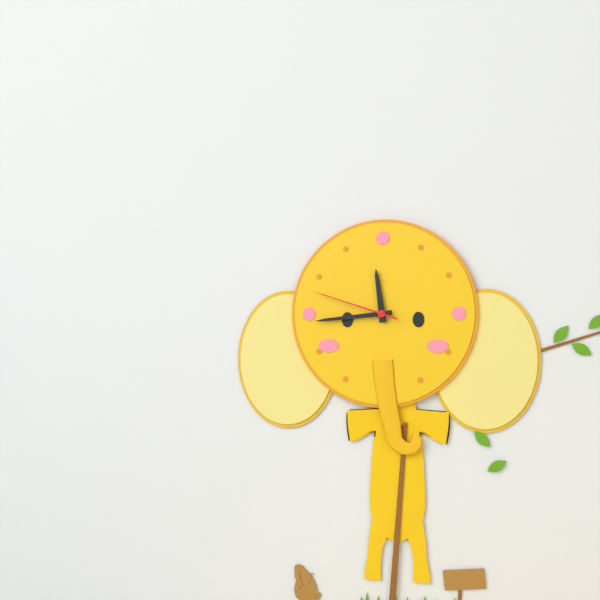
11:44:48
